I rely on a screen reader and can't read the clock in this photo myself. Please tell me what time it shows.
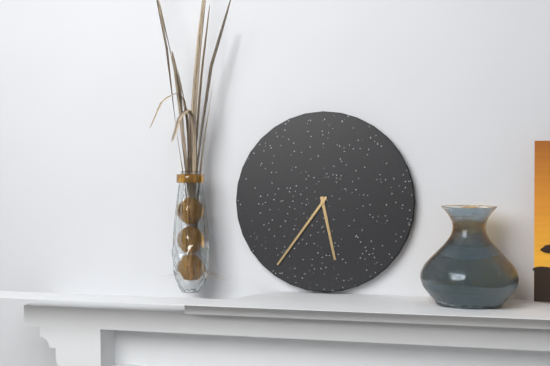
5:36
